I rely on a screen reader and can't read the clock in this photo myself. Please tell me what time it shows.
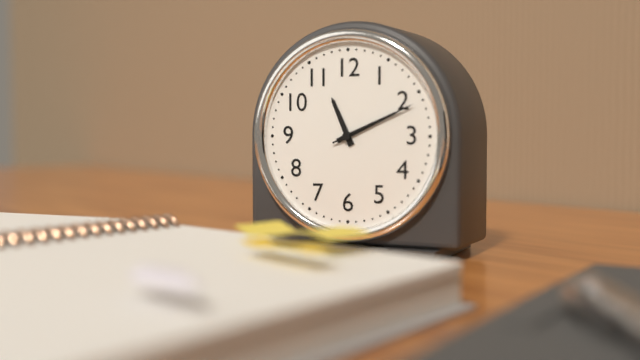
11:11:11
